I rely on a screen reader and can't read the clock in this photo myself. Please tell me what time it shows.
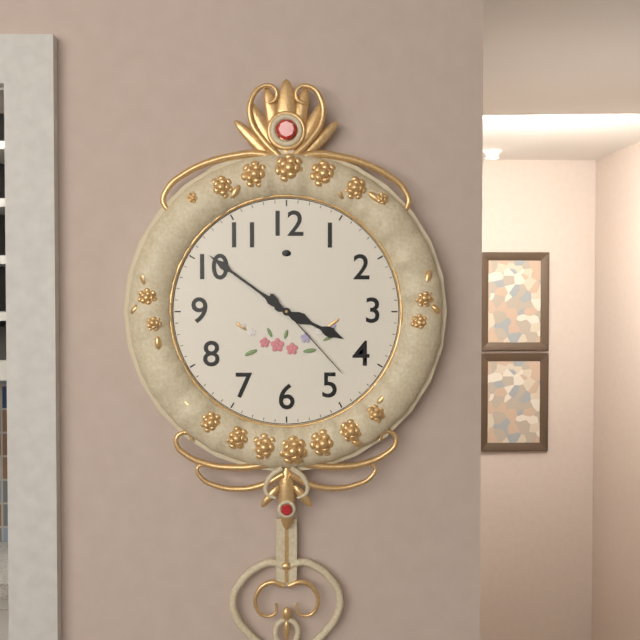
3:51:23
